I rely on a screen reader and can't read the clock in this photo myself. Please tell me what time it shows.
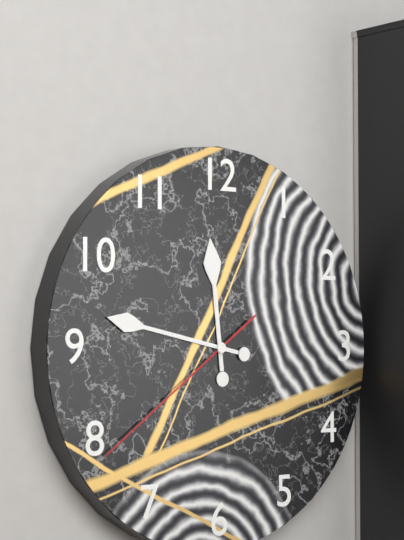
11:47:39
